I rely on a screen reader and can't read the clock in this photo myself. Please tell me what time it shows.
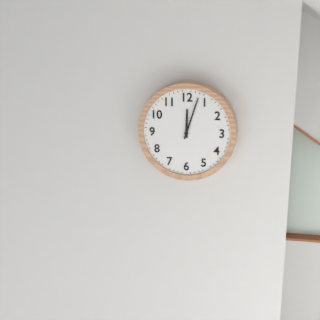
12:03
